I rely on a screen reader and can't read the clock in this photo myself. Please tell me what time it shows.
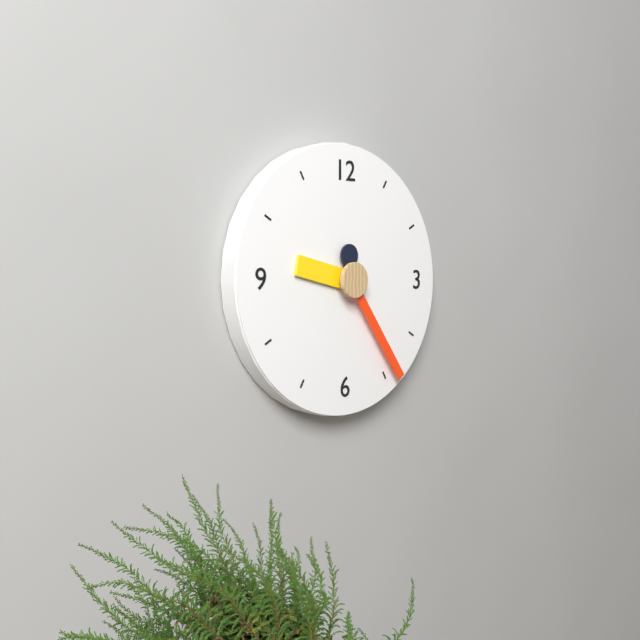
9:24
